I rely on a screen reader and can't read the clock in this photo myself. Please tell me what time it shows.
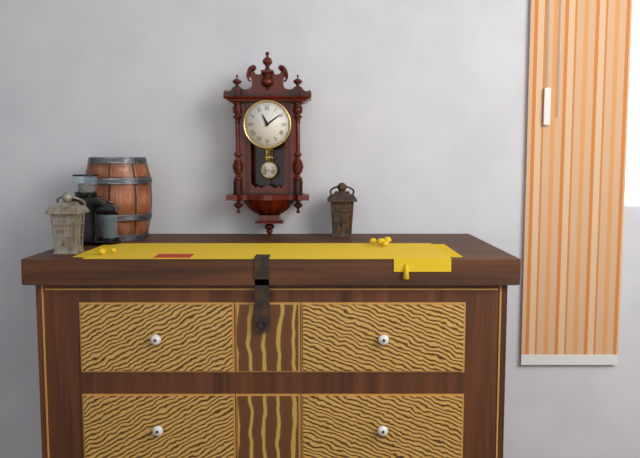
11:09
